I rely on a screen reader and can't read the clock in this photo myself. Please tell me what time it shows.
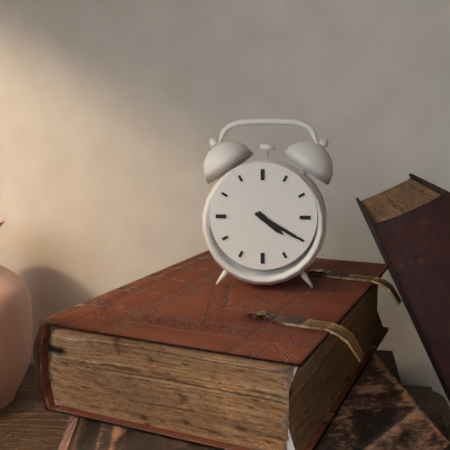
4:20
